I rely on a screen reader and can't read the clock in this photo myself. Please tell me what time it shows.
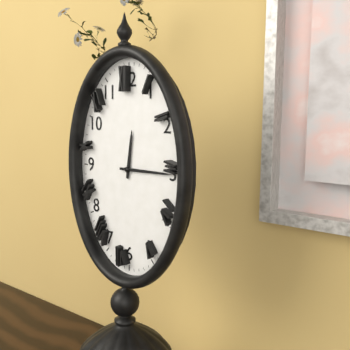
12:15
